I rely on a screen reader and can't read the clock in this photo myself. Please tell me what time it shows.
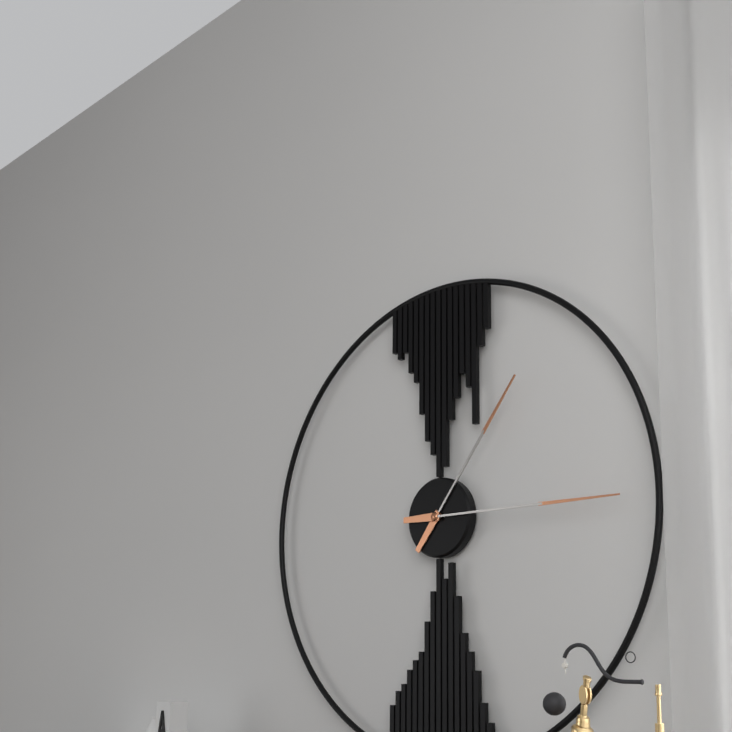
1:15
